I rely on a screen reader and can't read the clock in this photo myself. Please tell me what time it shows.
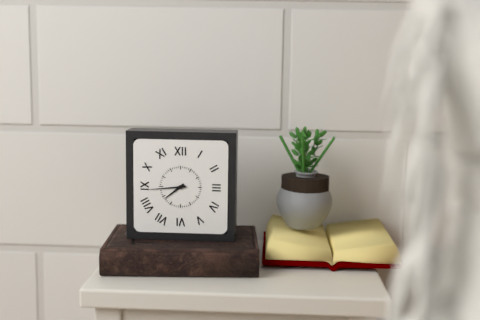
7:44
